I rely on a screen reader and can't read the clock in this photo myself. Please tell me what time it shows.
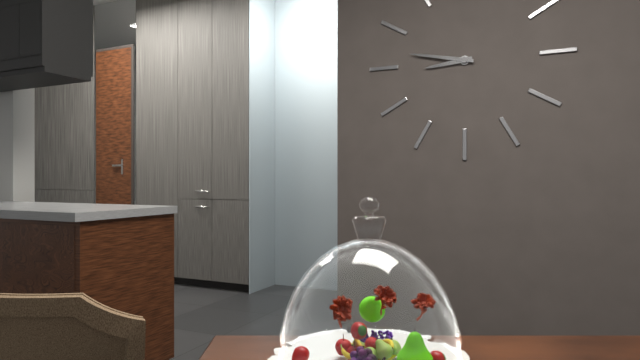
8:47
